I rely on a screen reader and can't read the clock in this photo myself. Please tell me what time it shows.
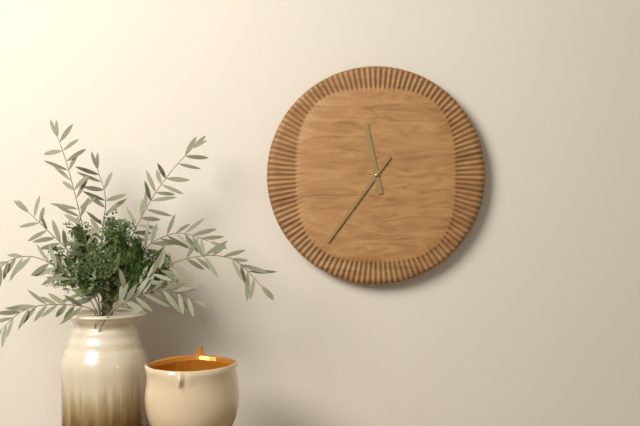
11:36
